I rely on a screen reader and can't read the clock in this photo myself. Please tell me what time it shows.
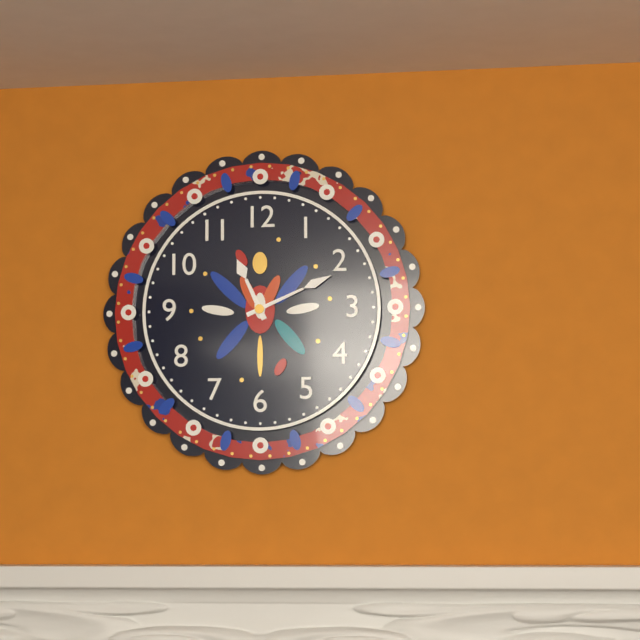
11:11
